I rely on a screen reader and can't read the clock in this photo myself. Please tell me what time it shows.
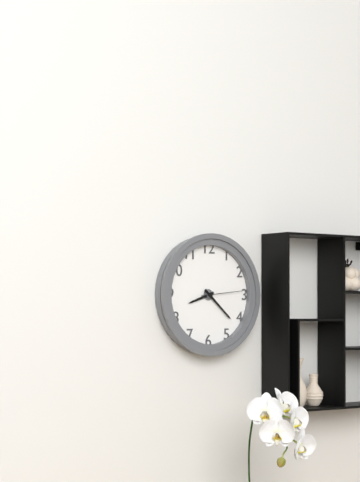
8:22
